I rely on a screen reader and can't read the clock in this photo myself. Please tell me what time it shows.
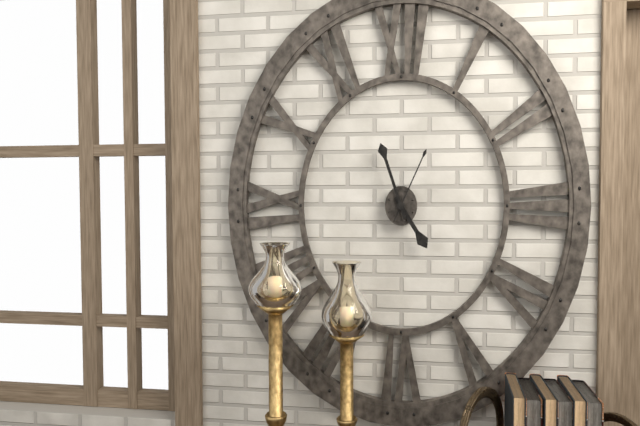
4:57:04
